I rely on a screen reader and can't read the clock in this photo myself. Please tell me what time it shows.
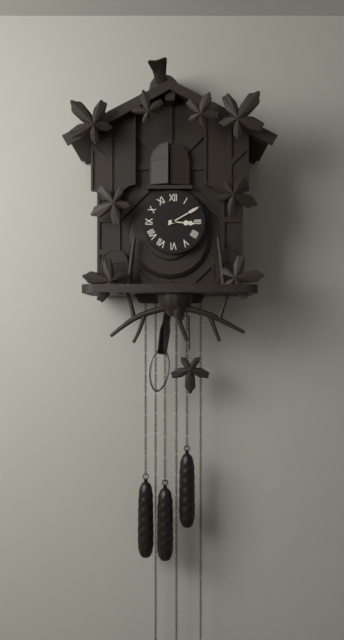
3:10
